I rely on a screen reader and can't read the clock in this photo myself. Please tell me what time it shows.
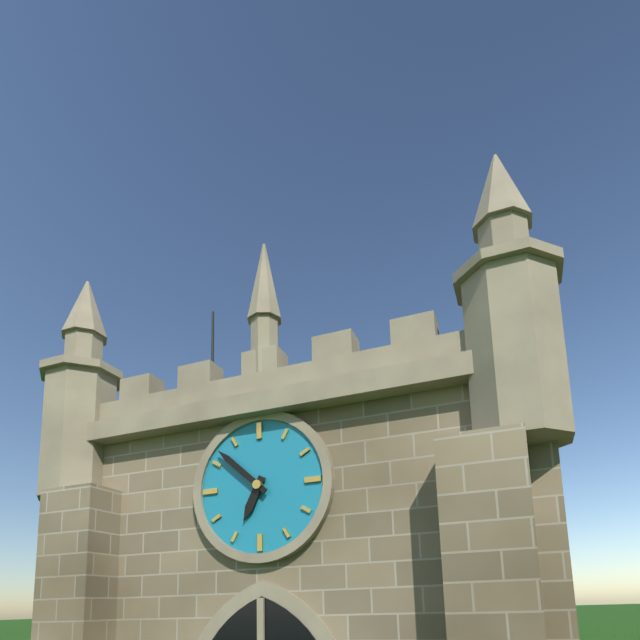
6:52
